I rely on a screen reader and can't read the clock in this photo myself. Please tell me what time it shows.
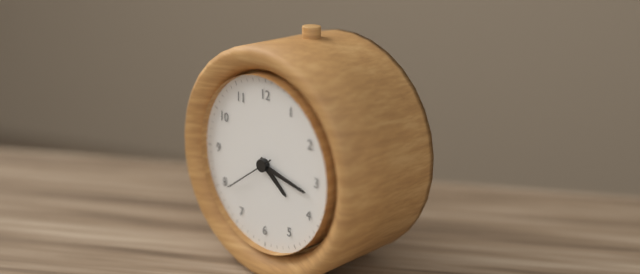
4:17
